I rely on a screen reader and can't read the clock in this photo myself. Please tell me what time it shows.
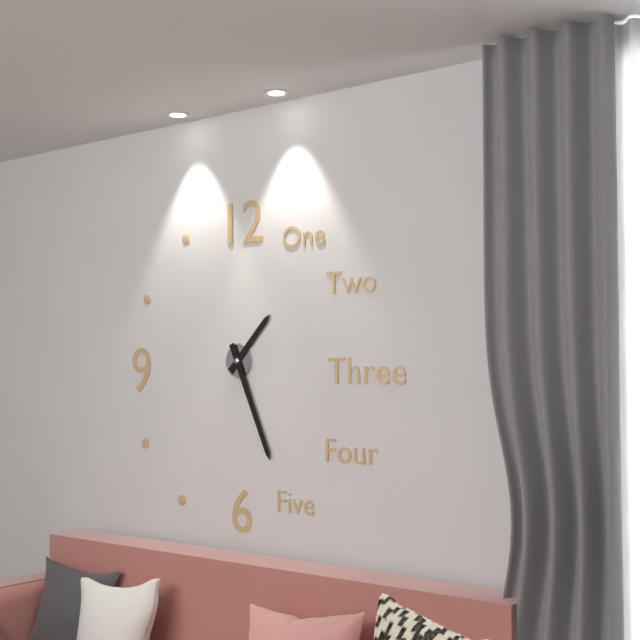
1:26
